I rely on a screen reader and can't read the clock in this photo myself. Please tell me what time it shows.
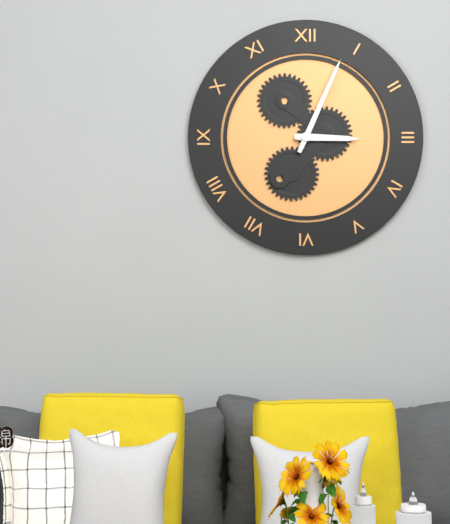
3:04
